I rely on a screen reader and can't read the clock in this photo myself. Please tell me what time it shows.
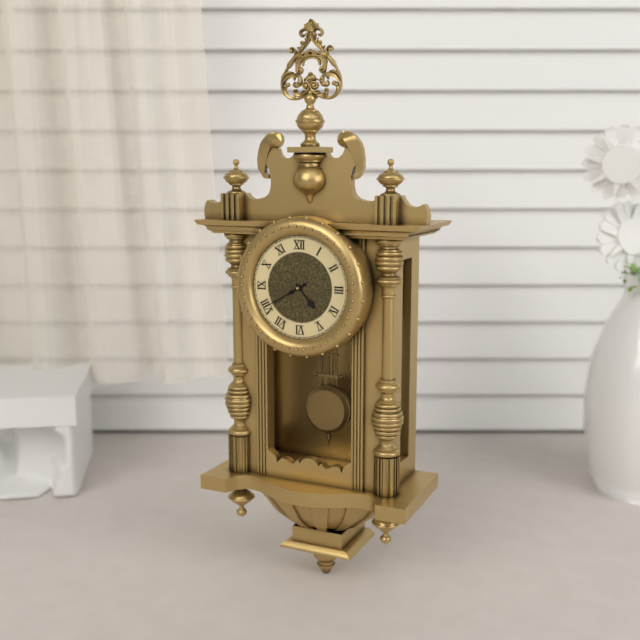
4:40
